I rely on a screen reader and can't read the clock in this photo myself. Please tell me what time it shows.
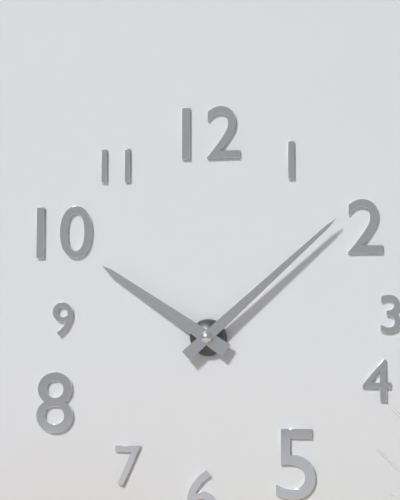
10:08
